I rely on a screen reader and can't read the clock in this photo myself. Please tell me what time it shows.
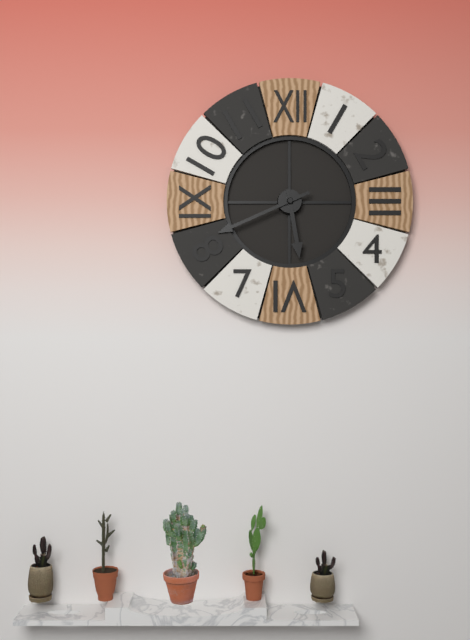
5:41
